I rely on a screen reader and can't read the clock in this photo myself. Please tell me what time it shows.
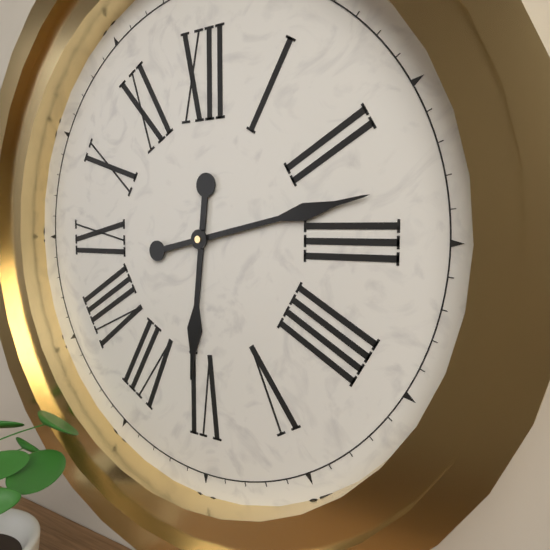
6:13
